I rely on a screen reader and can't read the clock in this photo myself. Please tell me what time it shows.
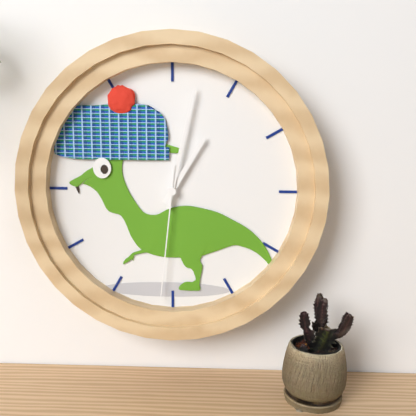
1:02:31
